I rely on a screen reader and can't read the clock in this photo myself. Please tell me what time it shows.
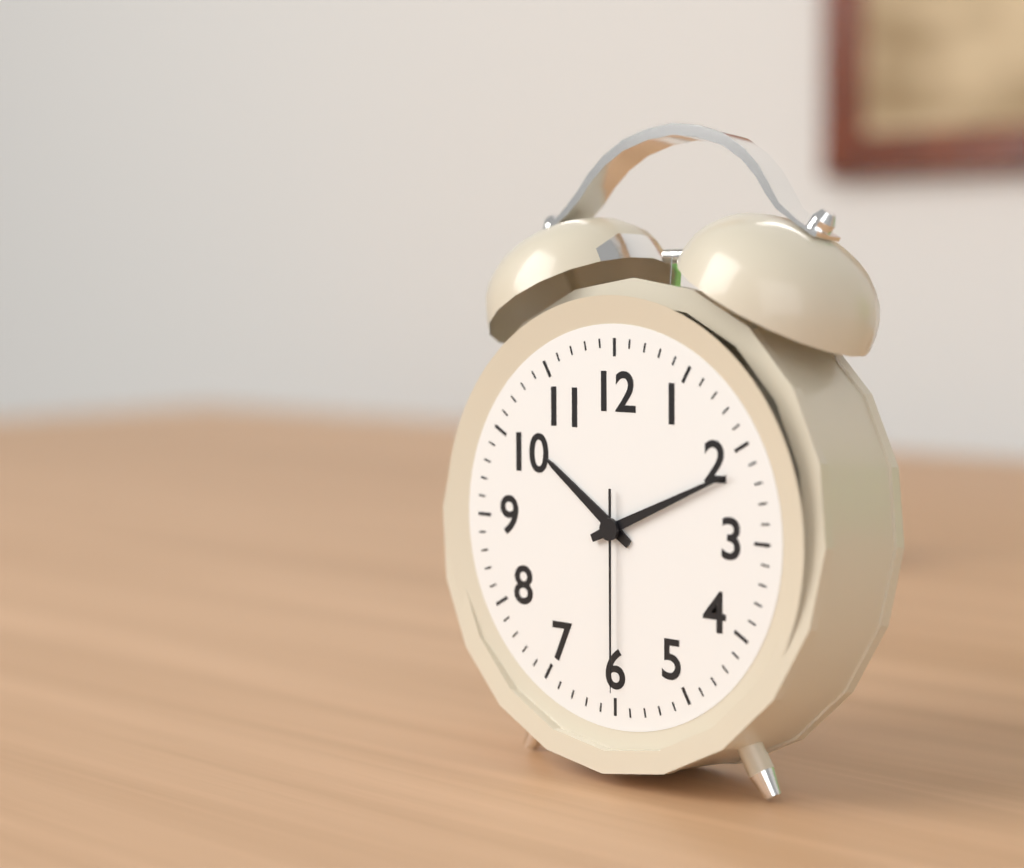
10:11:30
